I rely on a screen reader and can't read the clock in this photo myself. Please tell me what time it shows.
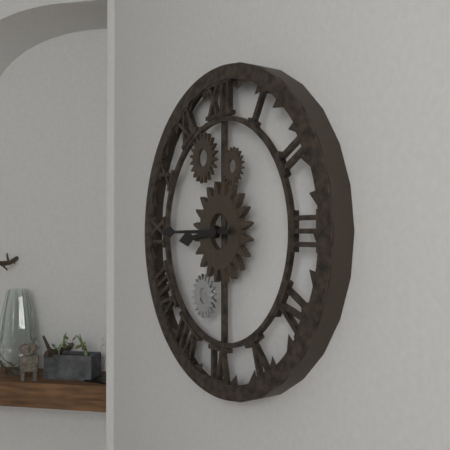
8:45
